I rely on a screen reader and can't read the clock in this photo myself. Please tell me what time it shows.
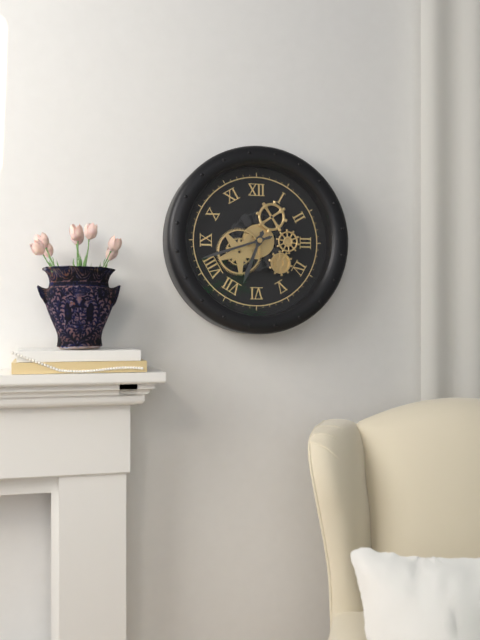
6:42
